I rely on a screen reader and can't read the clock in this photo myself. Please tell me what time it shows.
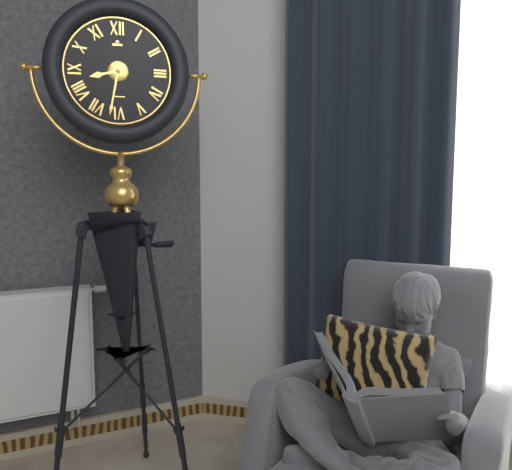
8:32
